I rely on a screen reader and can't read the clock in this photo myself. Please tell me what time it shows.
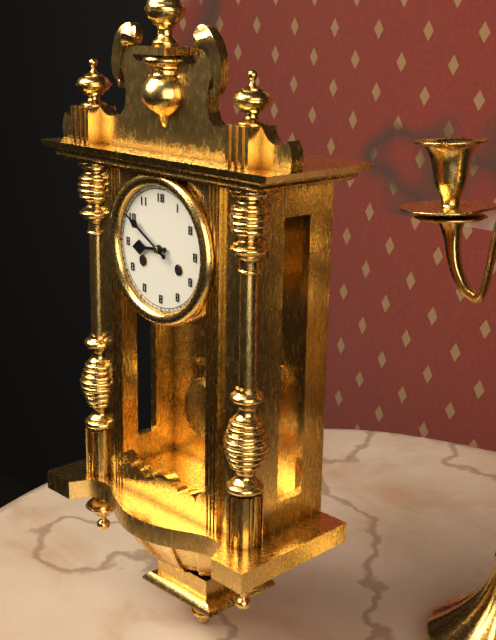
8:50
